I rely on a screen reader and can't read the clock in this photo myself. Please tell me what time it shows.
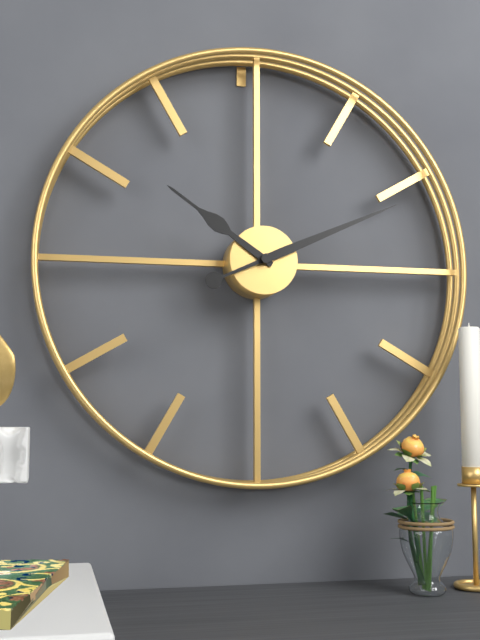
10:11
